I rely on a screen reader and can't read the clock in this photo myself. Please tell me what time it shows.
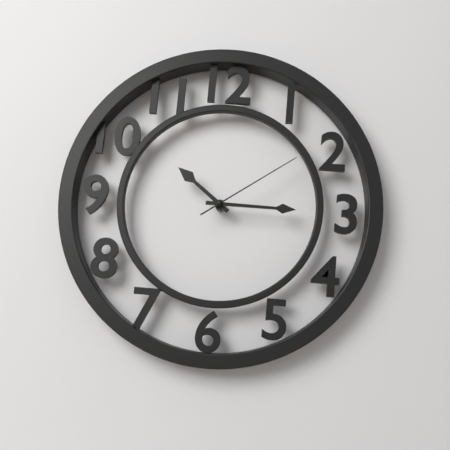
10:15:09
